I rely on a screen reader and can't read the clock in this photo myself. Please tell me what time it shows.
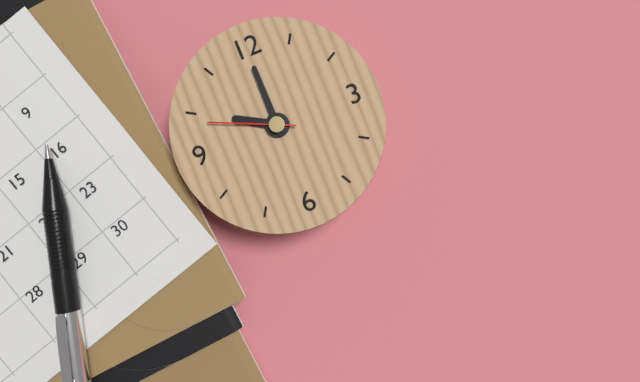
10:00:49
